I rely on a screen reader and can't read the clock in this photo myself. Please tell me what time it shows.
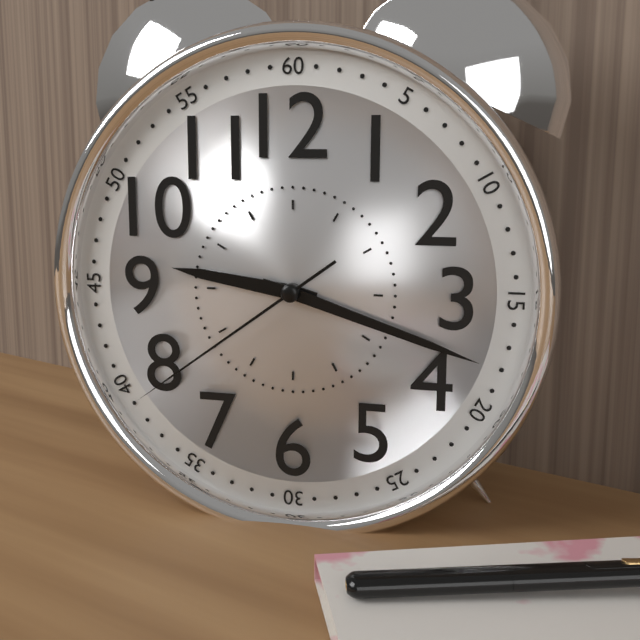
9:18:39
